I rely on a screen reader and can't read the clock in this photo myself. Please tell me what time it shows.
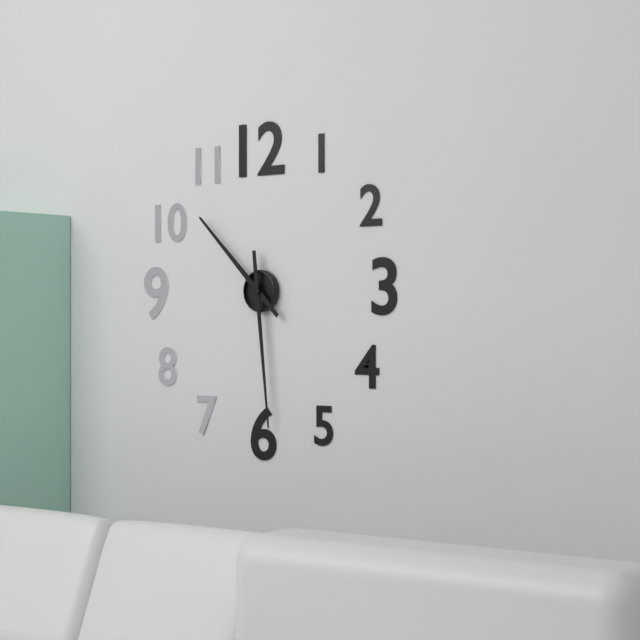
10:29
